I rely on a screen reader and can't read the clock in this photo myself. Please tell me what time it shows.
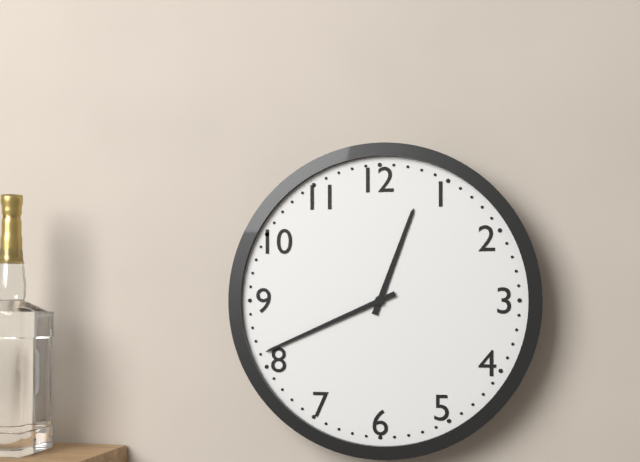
12:41
